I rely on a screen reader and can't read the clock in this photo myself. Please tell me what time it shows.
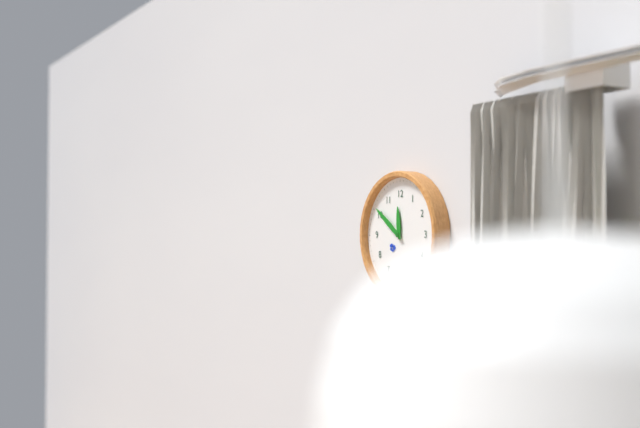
11:51
